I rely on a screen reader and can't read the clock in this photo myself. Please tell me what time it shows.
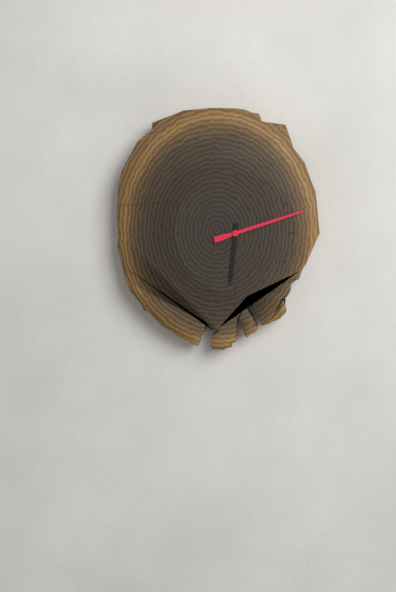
6:12
